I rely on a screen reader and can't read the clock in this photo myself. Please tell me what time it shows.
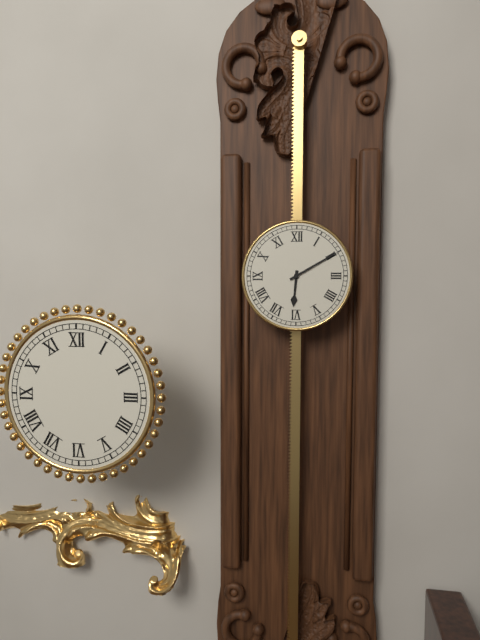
6:10
